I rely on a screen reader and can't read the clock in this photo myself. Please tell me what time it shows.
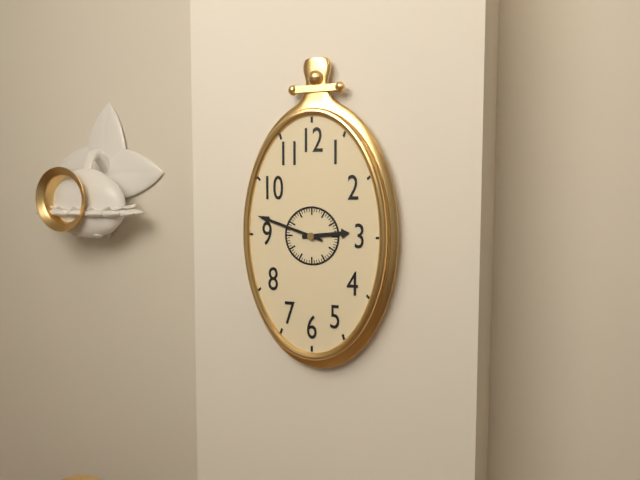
2:48
